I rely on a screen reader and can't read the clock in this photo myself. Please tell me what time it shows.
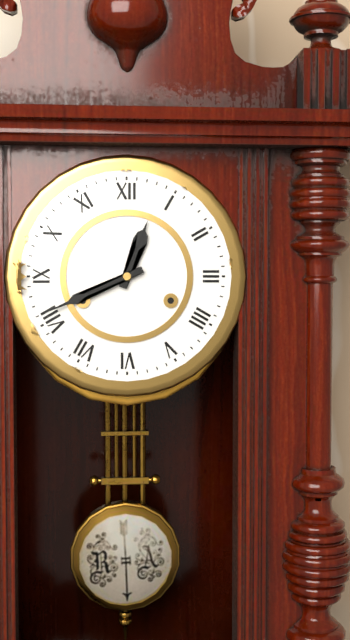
12:41
